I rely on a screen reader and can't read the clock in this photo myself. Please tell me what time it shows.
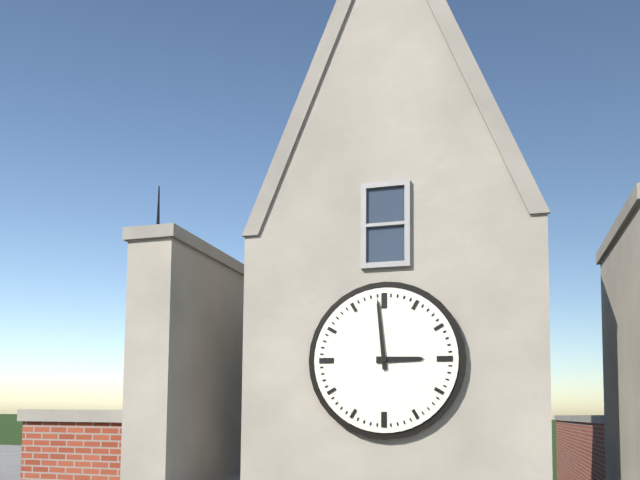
2:59
